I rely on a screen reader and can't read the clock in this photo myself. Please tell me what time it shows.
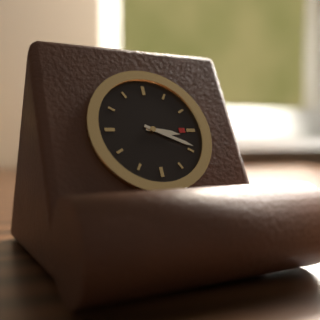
3:19
